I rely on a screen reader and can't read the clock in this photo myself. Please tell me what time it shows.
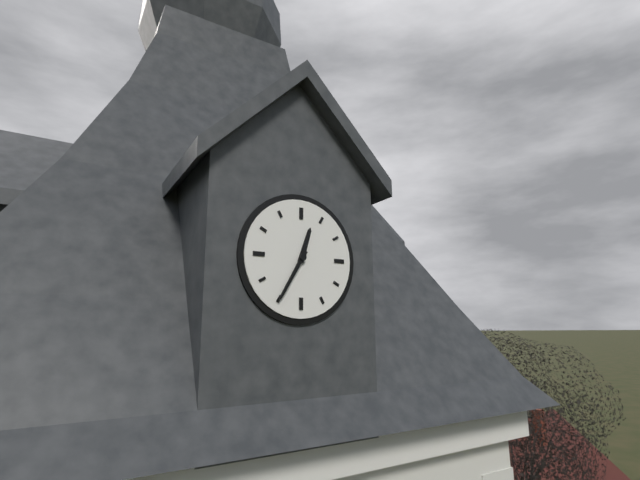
12:35
